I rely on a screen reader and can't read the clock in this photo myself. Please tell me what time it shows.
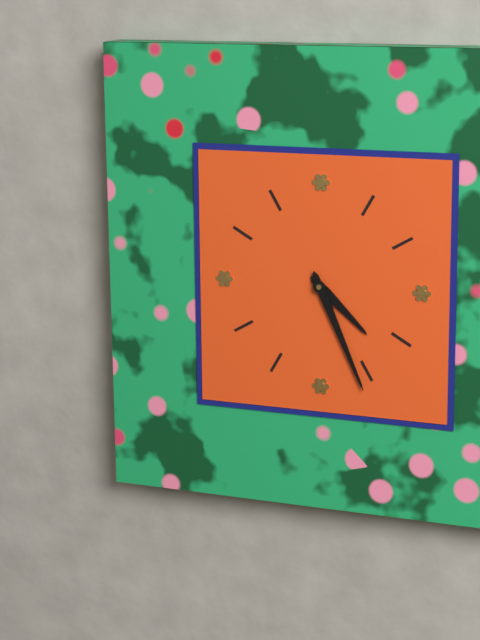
4:26
